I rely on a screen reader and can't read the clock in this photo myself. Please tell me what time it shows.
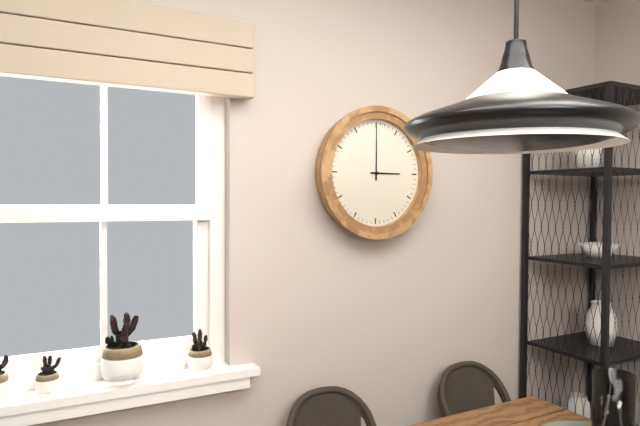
3:00
